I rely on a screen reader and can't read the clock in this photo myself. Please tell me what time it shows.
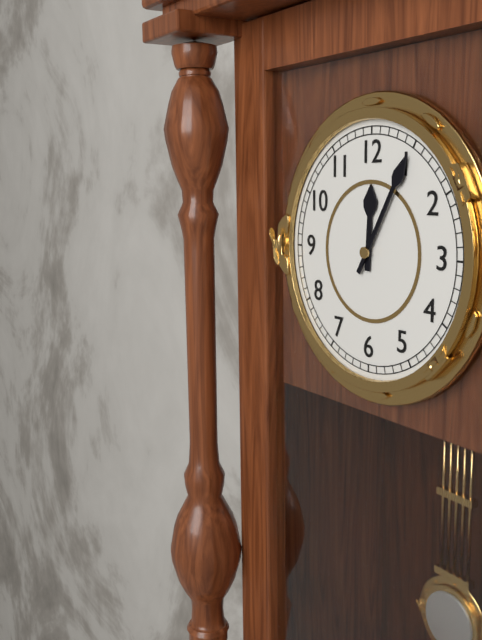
12:05
